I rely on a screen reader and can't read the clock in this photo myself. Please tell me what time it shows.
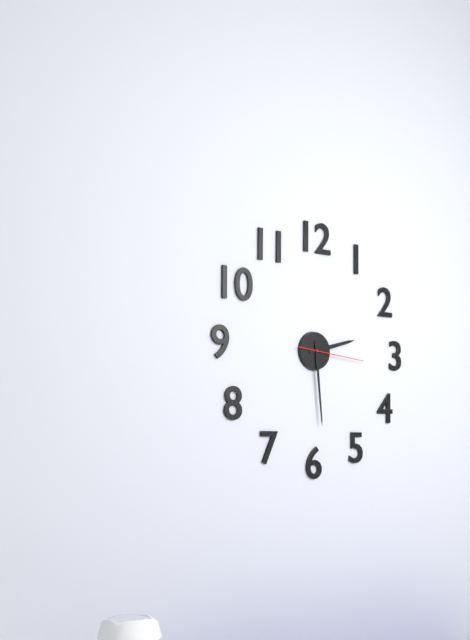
2:29:16
